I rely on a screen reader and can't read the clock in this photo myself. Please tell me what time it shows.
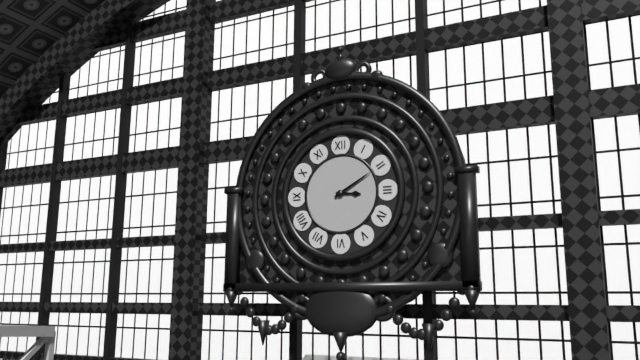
3:10
